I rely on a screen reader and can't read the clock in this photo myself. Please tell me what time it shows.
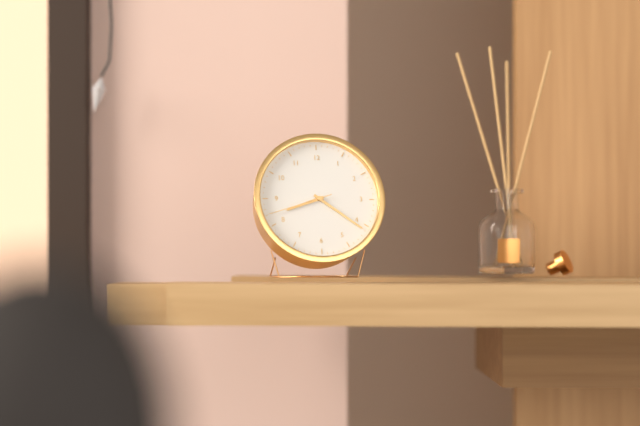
8:21:42
